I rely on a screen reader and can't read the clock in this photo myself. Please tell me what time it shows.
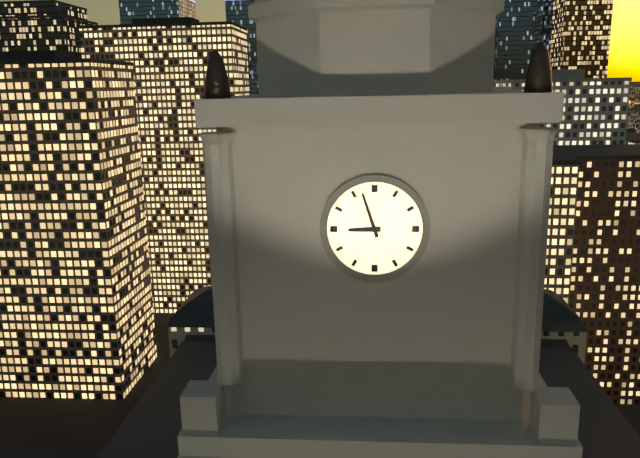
8:57
